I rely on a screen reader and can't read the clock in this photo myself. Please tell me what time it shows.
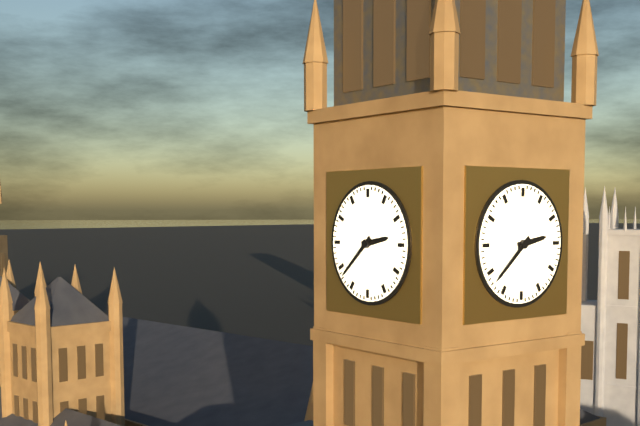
2:38
